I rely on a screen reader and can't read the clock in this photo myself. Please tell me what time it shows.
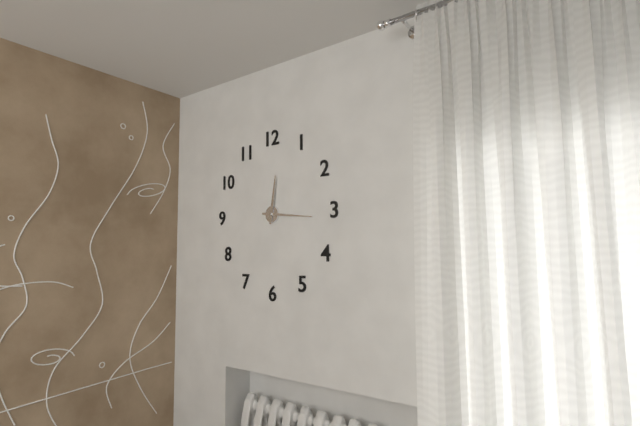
12:16
